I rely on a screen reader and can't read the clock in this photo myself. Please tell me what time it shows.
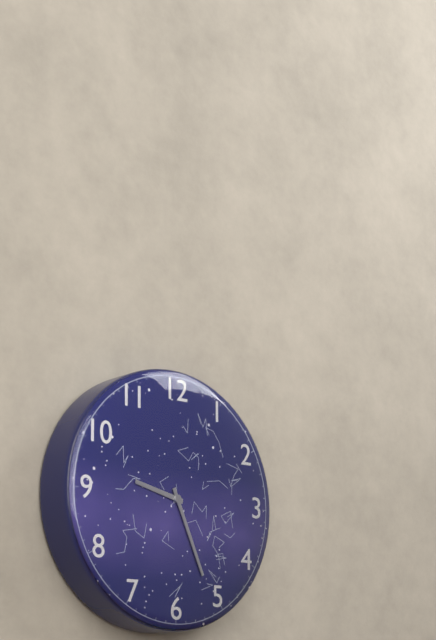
9:26
